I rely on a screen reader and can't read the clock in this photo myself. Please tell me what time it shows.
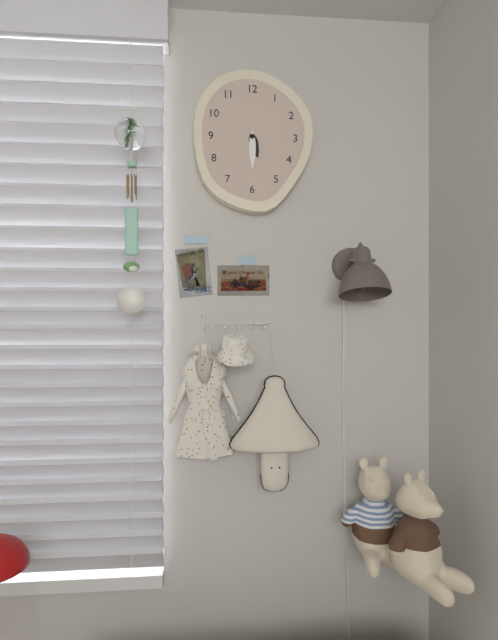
5:30
